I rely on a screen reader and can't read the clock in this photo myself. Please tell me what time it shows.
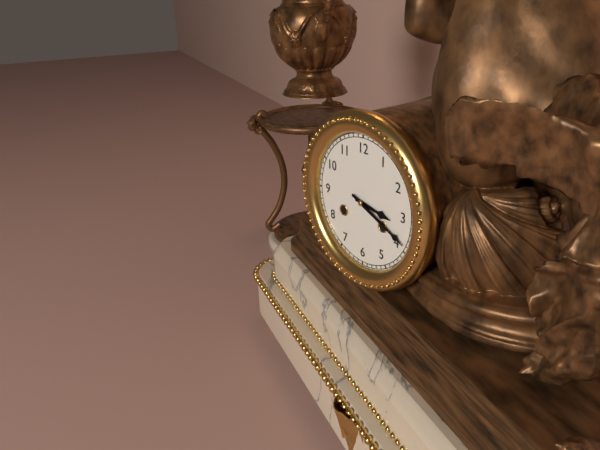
3:19
